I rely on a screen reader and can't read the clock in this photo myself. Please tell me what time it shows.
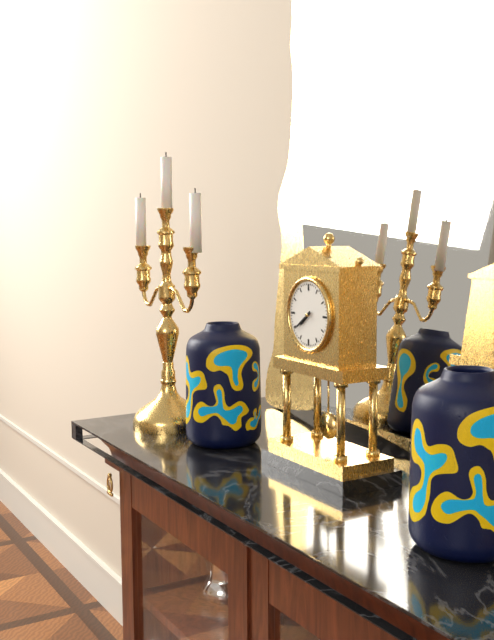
7:39
